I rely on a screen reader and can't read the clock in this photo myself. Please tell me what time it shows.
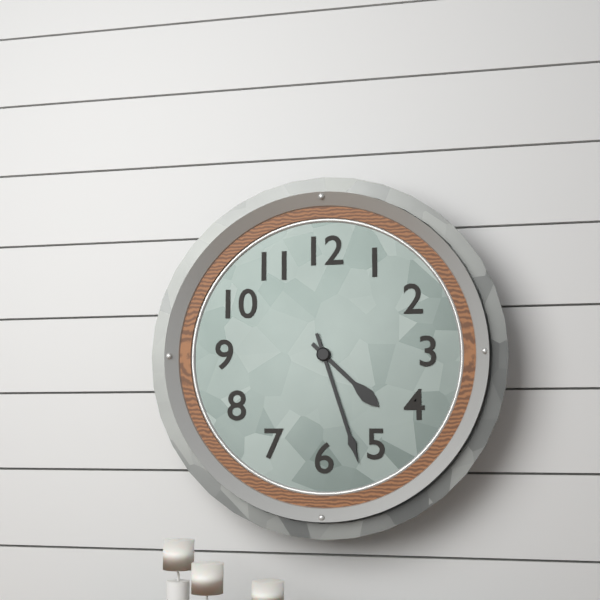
4:27
